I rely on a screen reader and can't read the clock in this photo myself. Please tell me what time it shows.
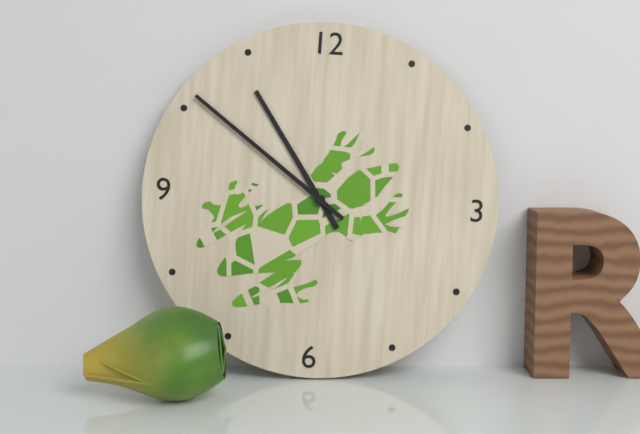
10:51
